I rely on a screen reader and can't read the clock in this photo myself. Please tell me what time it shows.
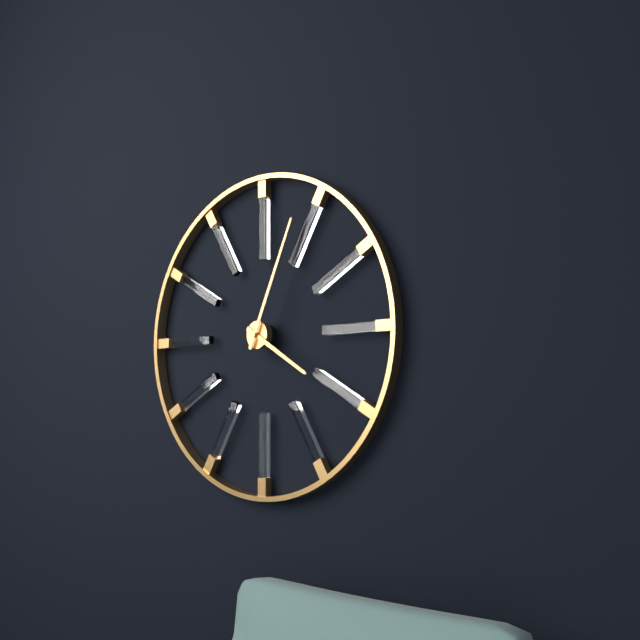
4:04
